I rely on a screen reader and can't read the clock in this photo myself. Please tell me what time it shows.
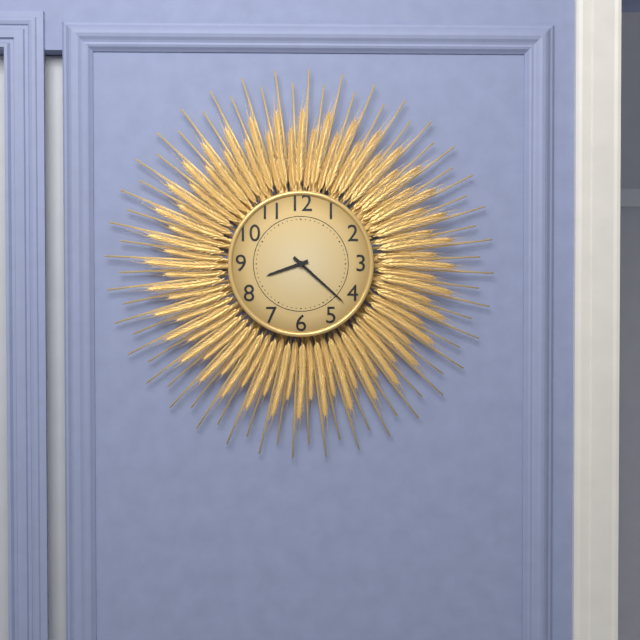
8:22
